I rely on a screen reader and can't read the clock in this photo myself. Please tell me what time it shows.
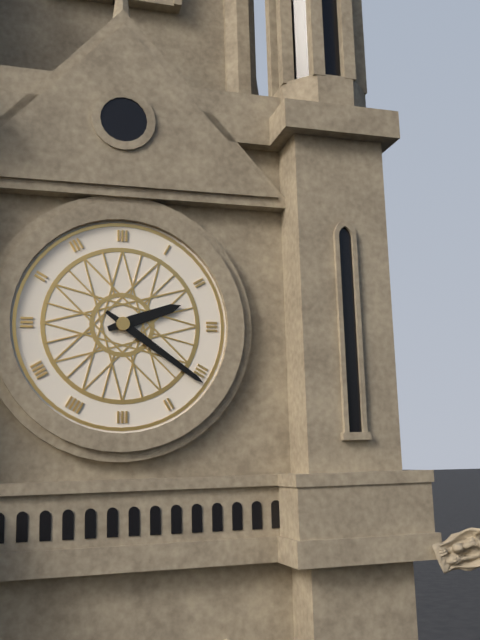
2:21
